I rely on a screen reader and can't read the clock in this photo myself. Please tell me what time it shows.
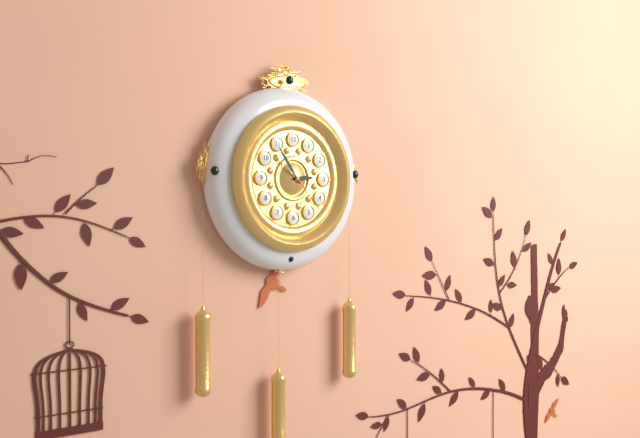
2:54
